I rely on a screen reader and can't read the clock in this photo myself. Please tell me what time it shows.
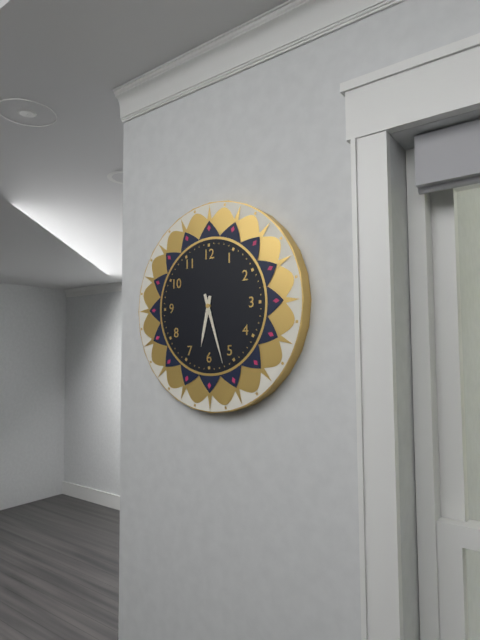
6:27
